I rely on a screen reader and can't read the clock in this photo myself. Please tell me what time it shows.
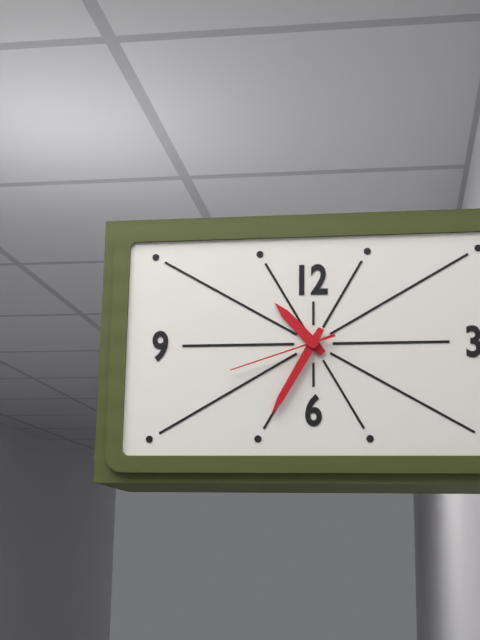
10:35:42
